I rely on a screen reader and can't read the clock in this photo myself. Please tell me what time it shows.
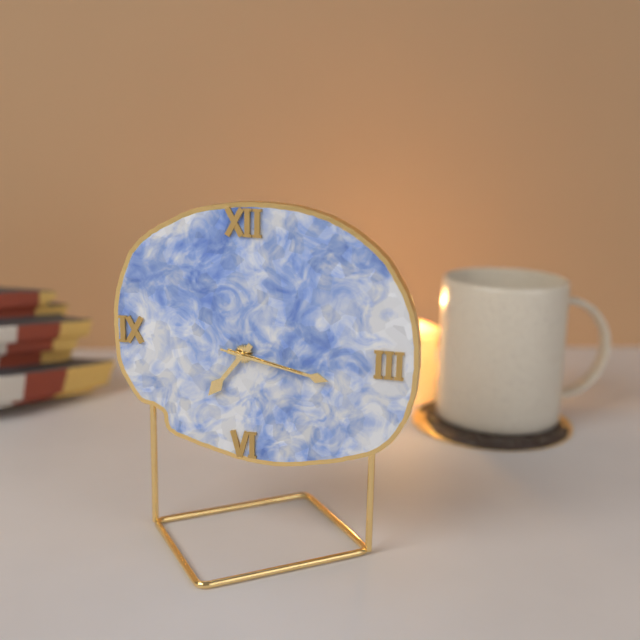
7:17:17
